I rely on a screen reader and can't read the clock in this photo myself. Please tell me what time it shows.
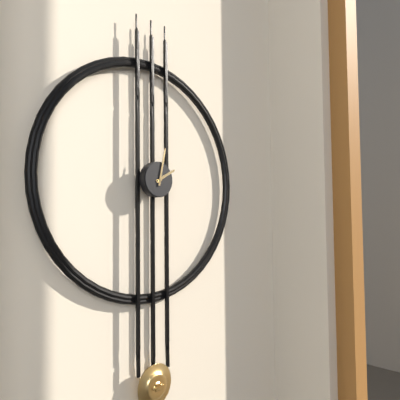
2:02
